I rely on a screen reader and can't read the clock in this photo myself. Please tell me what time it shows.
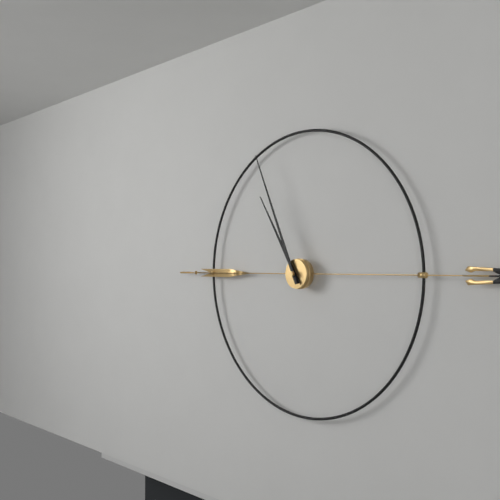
10:56
